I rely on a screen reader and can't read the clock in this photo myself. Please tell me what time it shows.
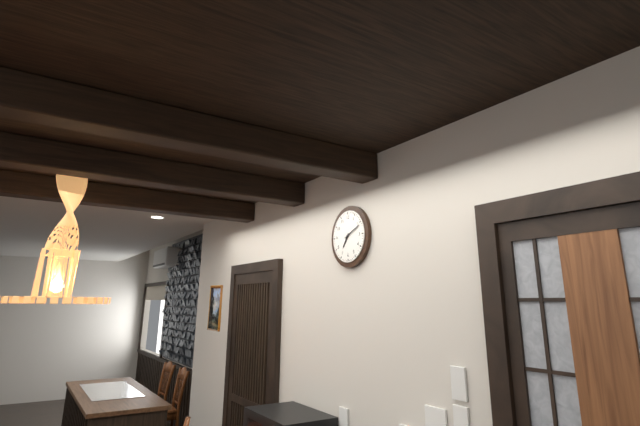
7:11
